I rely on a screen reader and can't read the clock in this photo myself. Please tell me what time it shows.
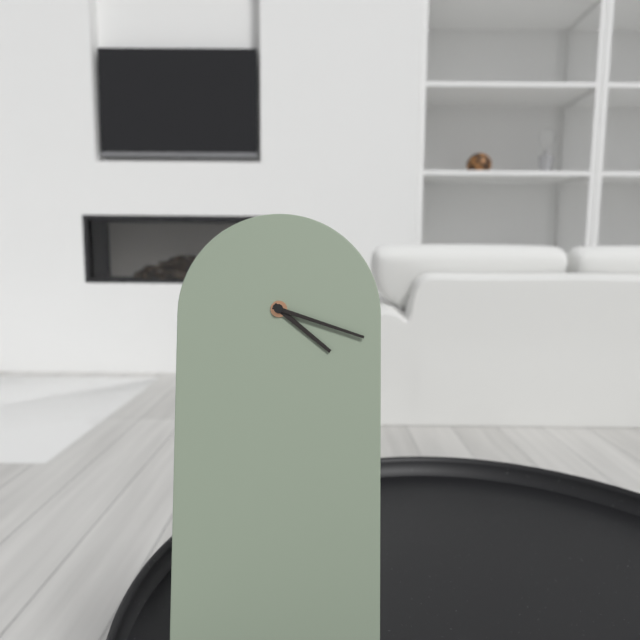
4:18
